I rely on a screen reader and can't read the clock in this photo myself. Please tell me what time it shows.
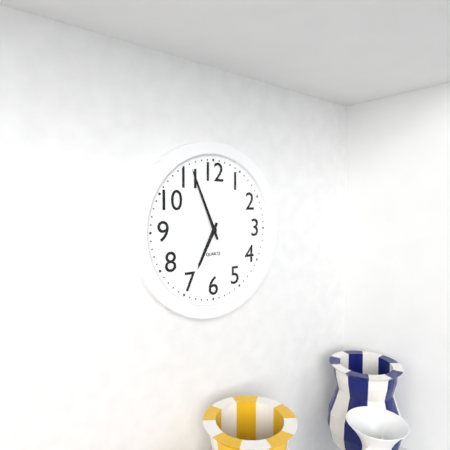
6:56
